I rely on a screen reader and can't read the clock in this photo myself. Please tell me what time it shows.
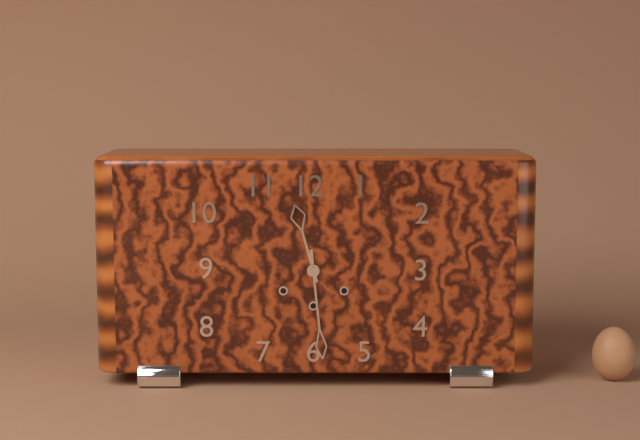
11:29
